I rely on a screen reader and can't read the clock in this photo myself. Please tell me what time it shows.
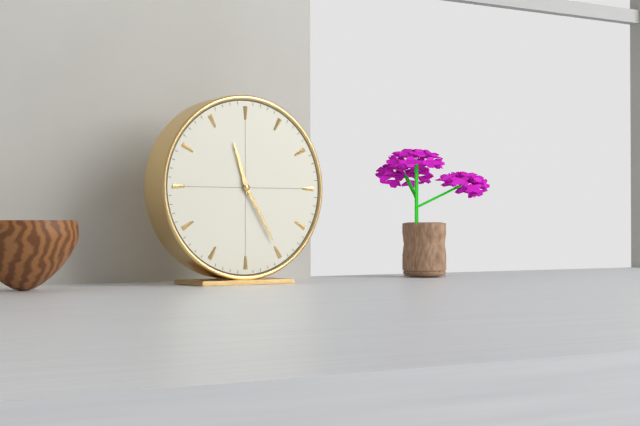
11:25
